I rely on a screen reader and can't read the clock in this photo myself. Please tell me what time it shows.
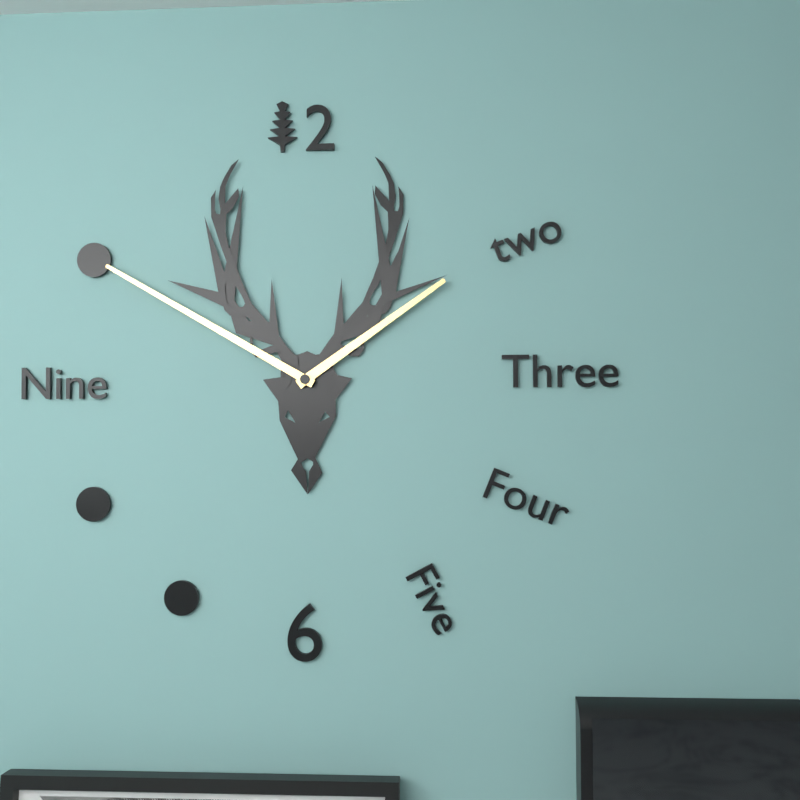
1:50
